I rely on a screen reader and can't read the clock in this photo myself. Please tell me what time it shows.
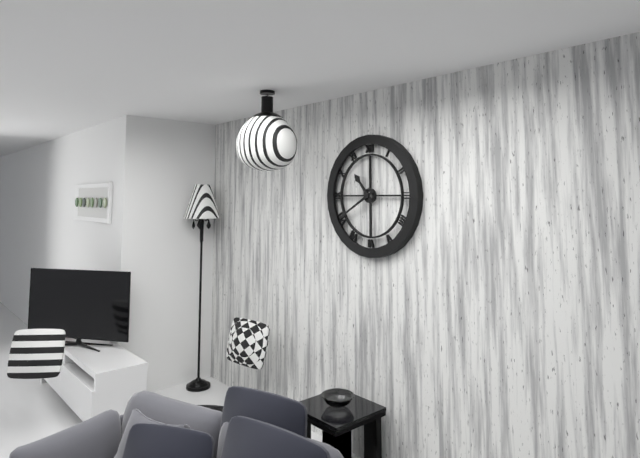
10:40
